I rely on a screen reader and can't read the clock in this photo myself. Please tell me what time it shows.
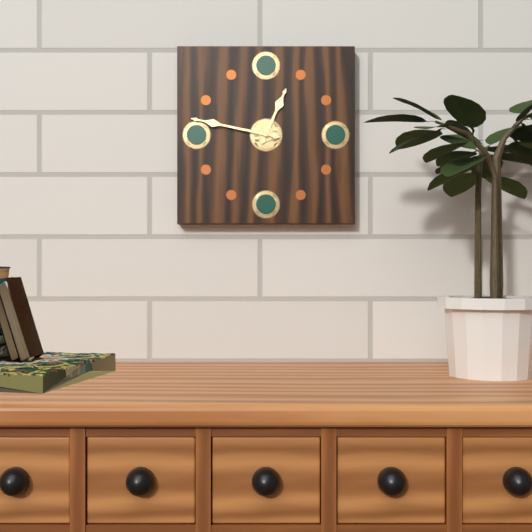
12:47
